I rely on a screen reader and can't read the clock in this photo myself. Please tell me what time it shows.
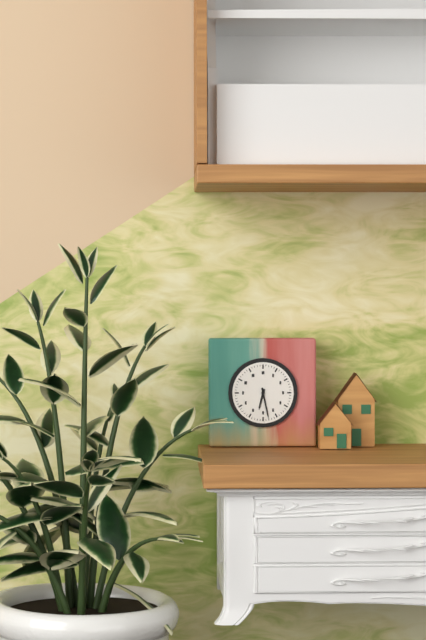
6:28
